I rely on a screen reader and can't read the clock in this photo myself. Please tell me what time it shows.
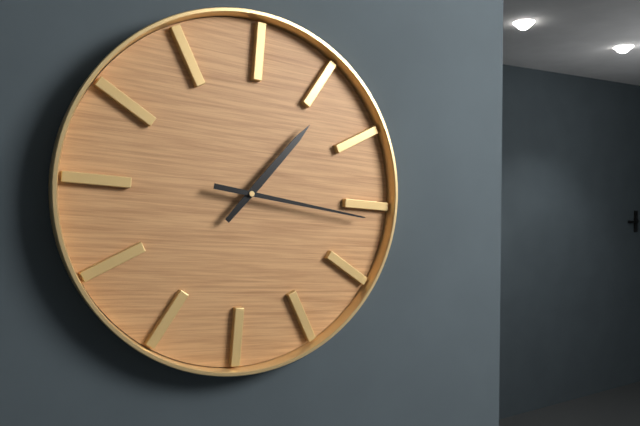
1:16
